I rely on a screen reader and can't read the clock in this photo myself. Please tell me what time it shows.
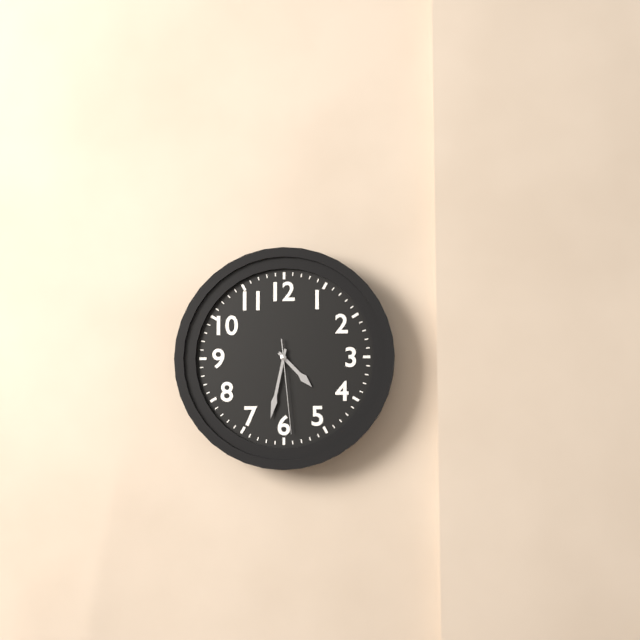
4:32:29
